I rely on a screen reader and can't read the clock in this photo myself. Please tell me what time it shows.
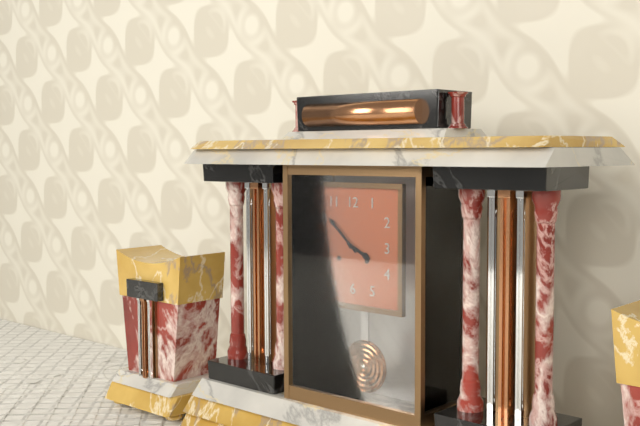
3:52
